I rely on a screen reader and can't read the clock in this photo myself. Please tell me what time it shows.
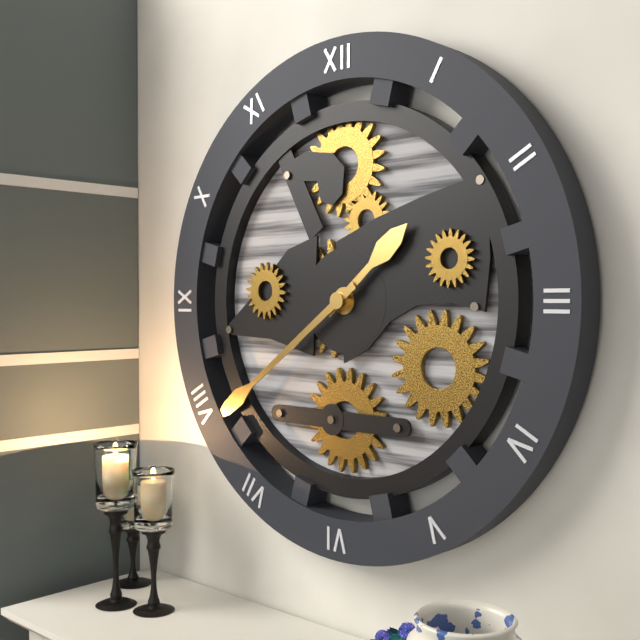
1:39
